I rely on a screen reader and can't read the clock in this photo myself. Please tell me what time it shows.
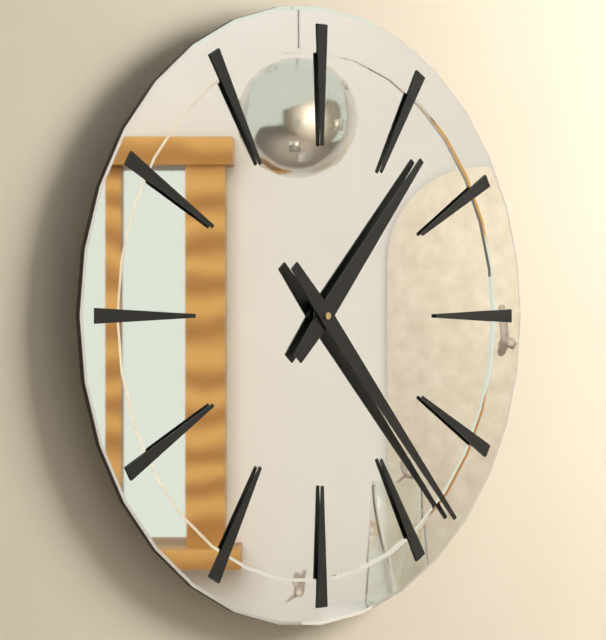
1:23
